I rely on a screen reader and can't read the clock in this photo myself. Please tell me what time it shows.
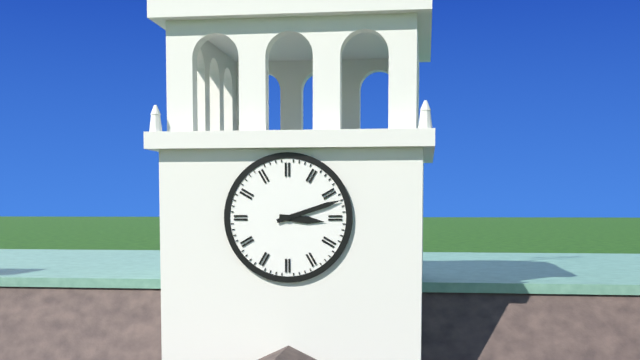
3:12
